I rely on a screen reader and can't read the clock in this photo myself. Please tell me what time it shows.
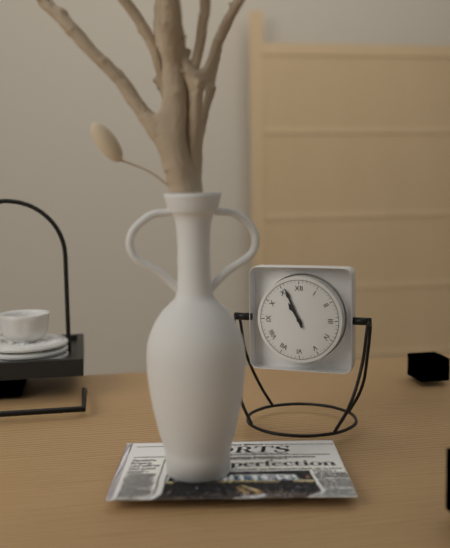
10:56
